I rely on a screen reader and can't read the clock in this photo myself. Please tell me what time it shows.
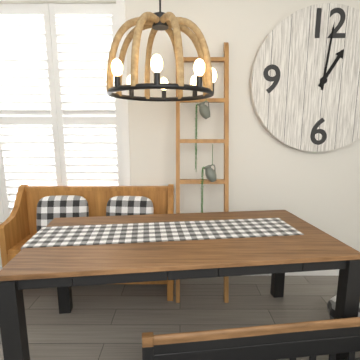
1:01
